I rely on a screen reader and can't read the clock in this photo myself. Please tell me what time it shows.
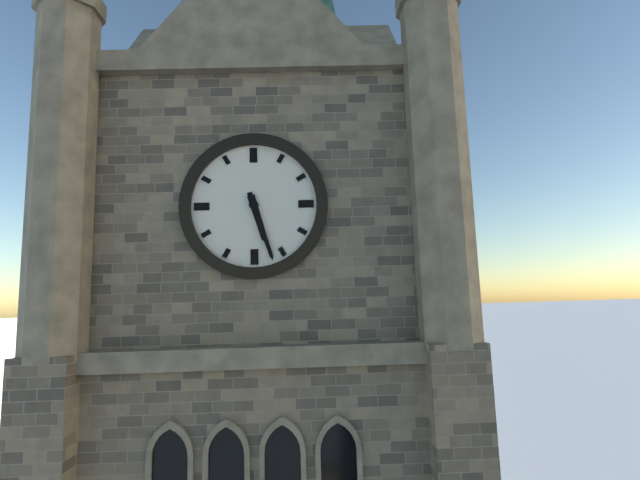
5:27
